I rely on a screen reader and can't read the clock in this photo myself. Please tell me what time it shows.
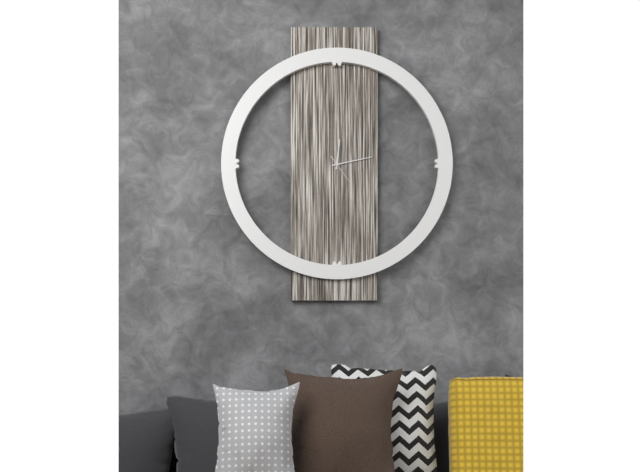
12:13
